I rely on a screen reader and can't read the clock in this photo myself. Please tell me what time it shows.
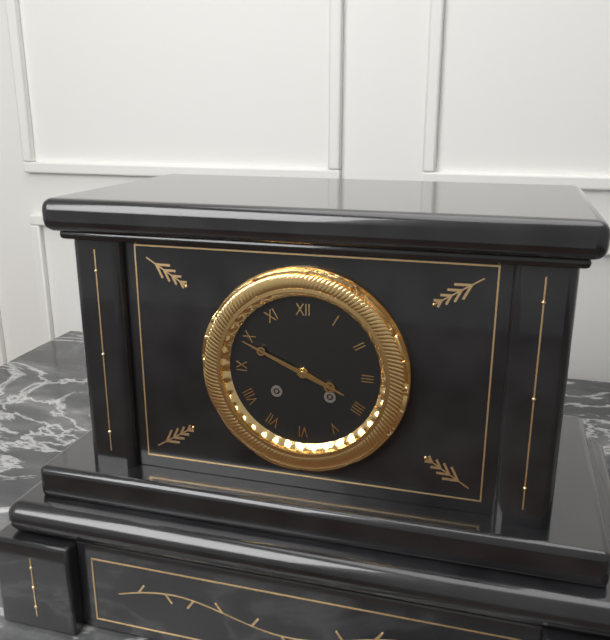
3:49
